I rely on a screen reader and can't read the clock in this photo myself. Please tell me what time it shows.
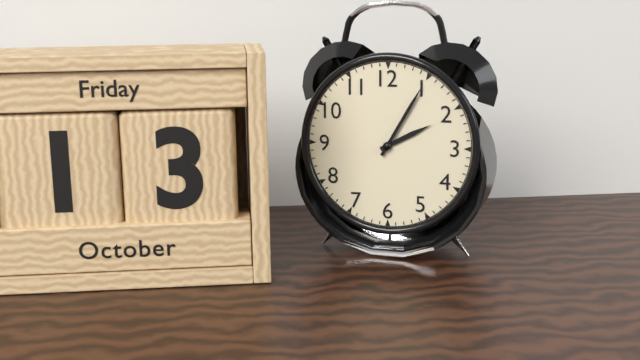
2:05
